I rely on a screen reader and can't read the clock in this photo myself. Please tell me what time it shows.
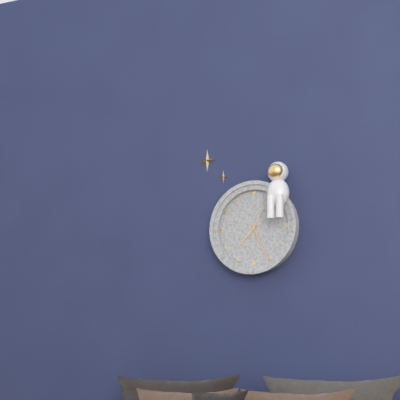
7:26
